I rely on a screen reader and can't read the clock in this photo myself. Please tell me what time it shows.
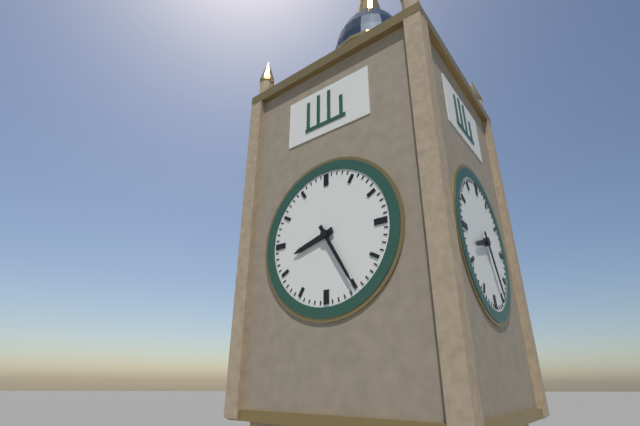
8:25
